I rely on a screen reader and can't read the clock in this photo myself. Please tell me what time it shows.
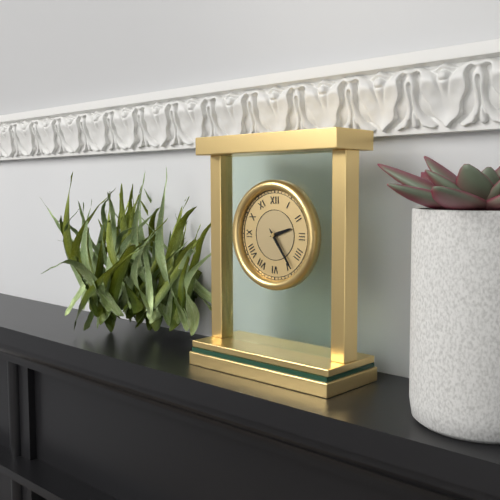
2:24
